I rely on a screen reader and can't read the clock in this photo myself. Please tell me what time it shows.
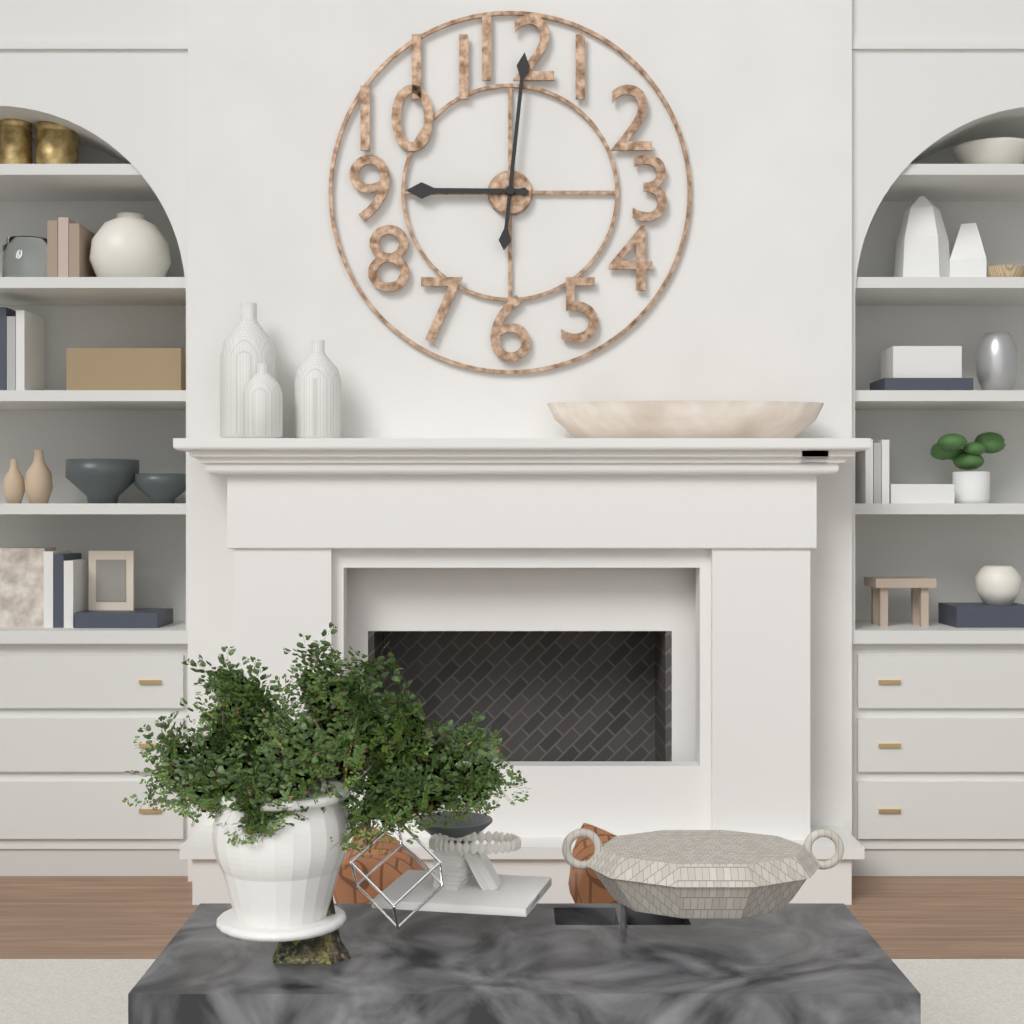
9:01
